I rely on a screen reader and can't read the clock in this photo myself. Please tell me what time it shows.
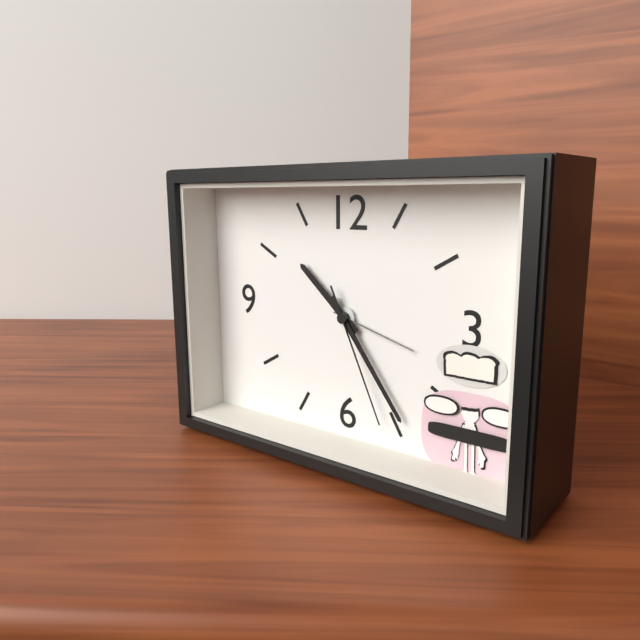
10:24:26
